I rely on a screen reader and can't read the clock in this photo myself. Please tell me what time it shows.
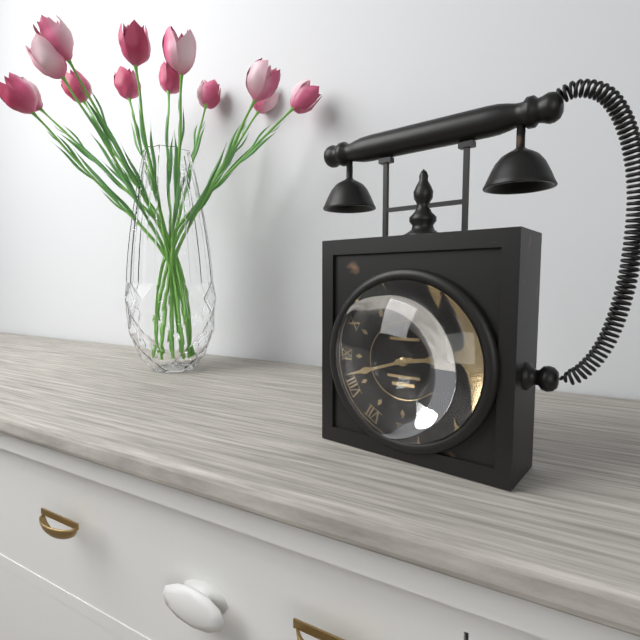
2:42
